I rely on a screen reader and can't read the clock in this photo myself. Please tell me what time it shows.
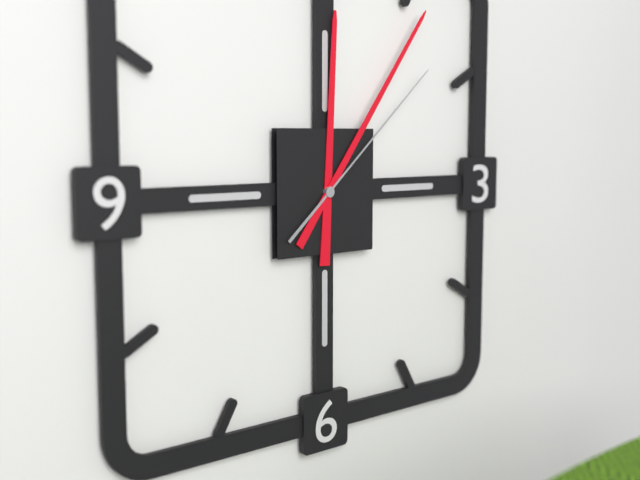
12:06:08
